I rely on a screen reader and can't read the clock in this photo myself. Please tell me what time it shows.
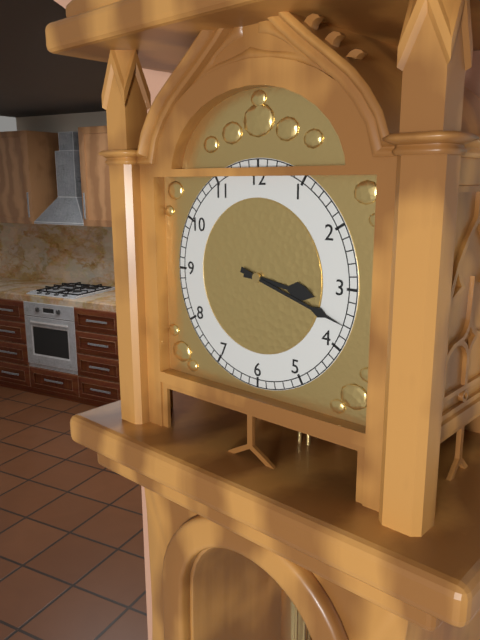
3:18
